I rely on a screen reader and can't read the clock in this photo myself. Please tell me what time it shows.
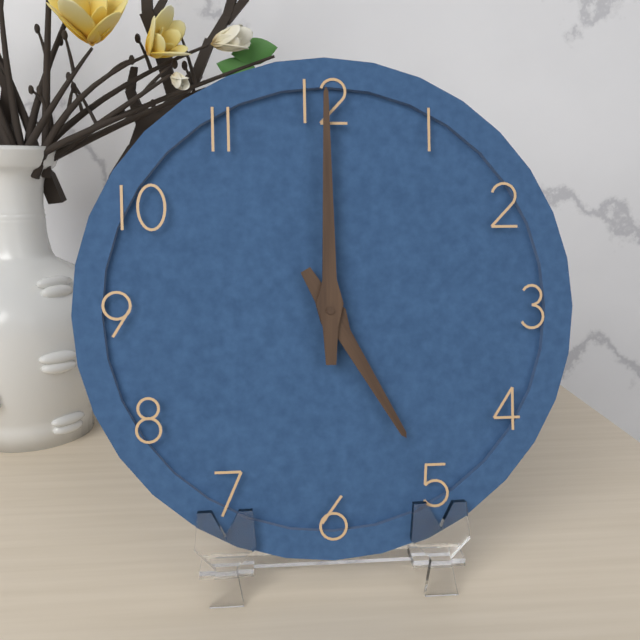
5:00
